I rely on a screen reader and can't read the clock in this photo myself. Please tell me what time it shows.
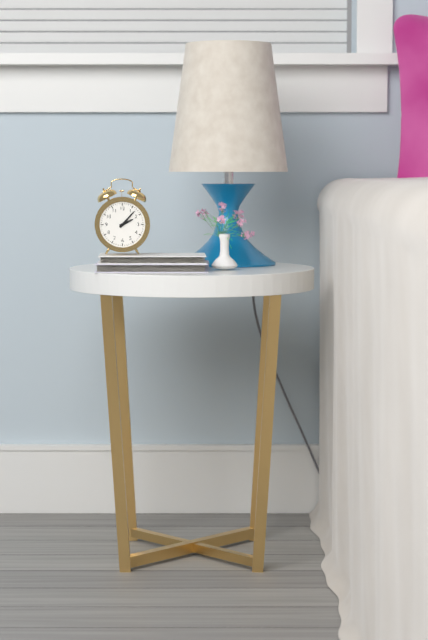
2:07
